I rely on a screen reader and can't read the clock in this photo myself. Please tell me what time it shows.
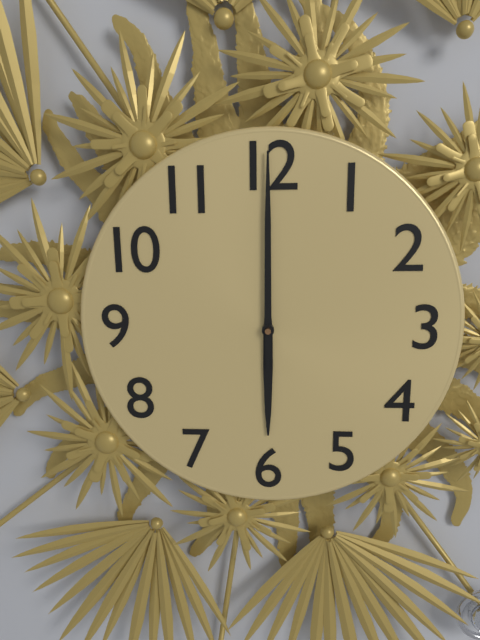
6:00
